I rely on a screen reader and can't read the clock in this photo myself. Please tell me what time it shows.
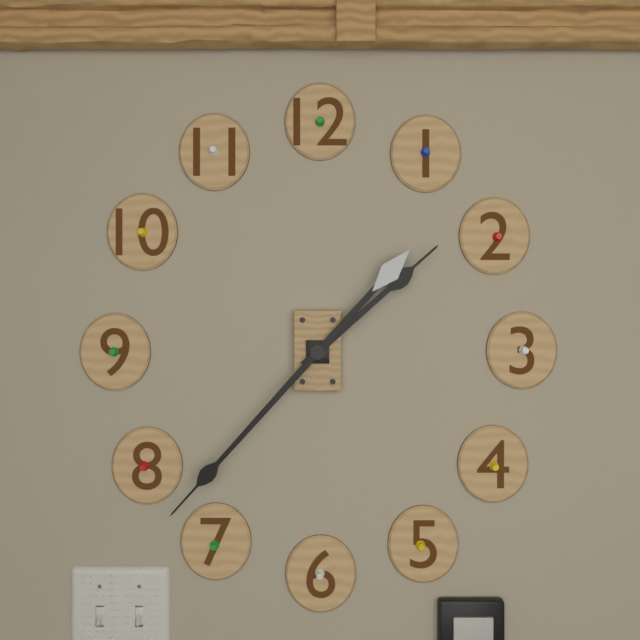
1:37
